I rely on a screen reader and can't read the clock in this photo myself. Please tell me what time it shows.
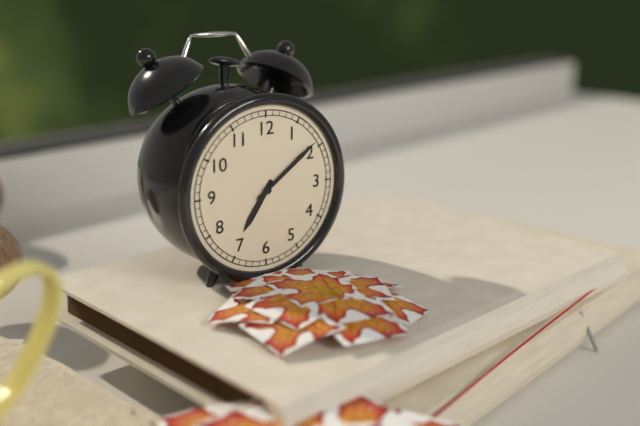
7:09
